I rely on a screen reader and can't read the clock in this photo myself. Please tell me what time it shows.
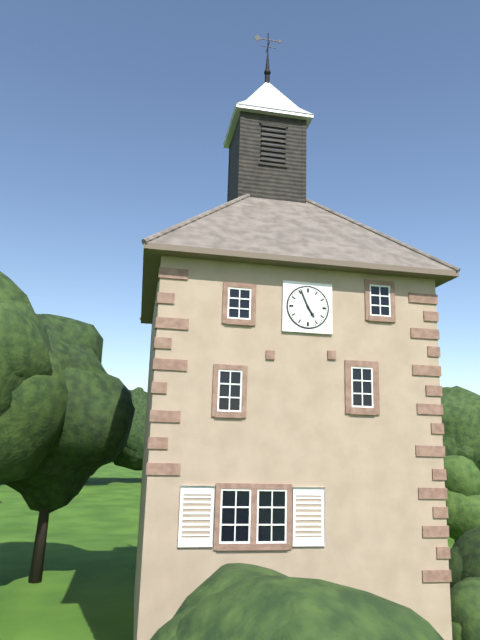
4:56
